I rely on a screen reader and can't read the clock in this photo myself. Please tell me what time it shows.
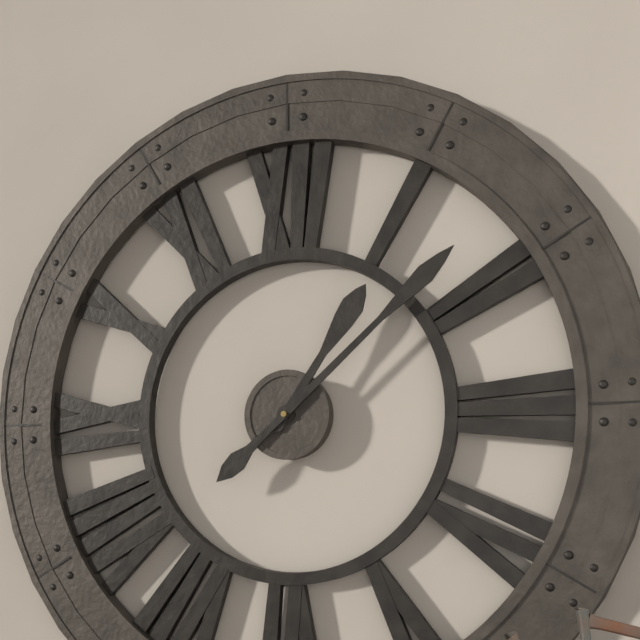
1:08
